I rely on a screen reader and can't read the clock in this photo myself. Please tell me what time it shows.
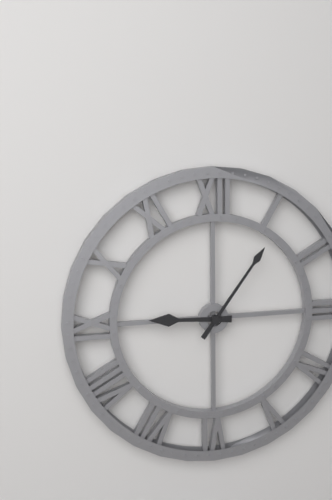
9:06
